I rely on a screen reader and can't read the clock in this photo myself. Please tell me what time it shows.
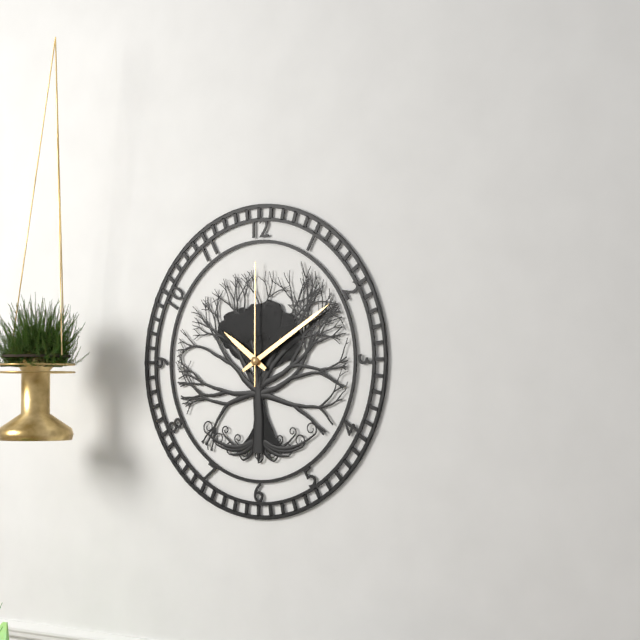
10:10:00
